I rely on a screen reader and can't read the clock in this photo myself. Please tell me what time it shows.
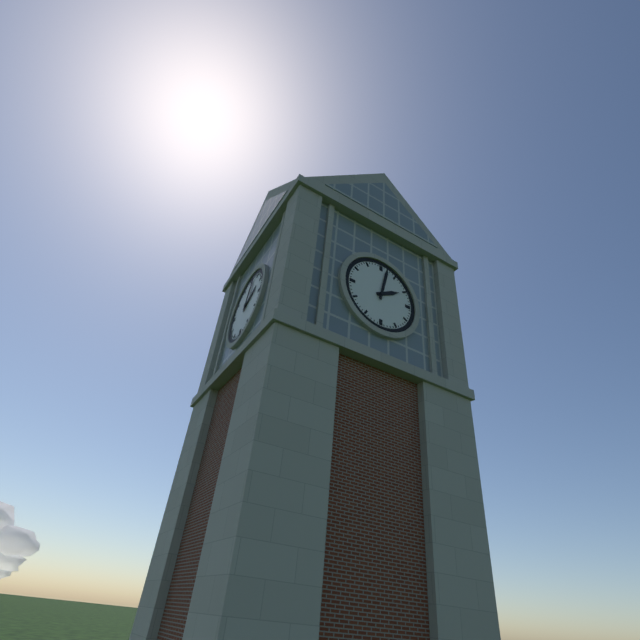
2:02
